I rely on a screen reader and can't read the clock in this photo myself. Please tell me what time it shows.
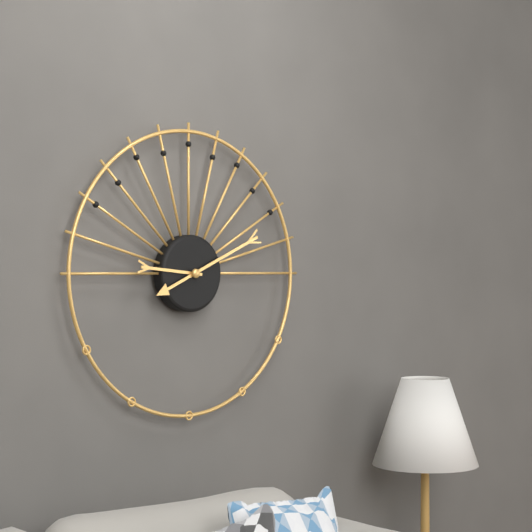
9:11
